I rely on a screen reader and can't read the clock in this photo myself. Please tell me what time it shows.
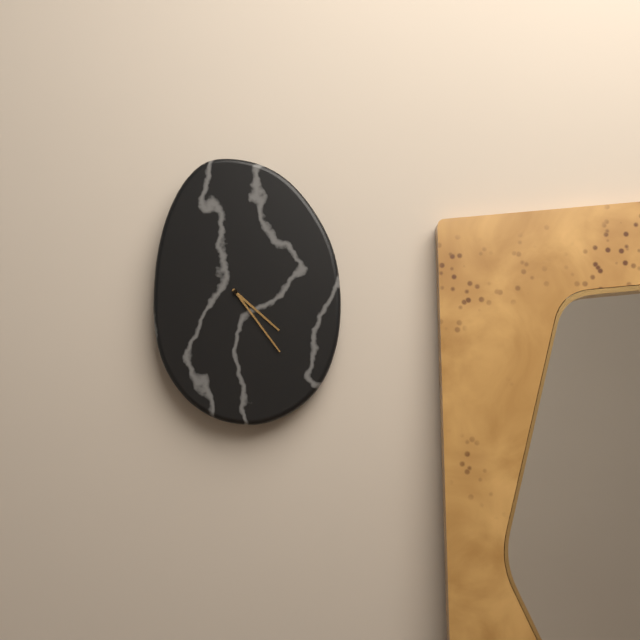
4:24
